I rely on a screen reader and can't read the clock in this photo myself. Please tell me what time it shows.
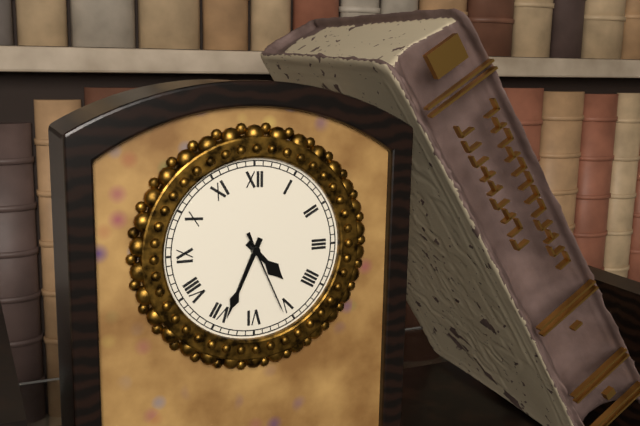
4:34:26
